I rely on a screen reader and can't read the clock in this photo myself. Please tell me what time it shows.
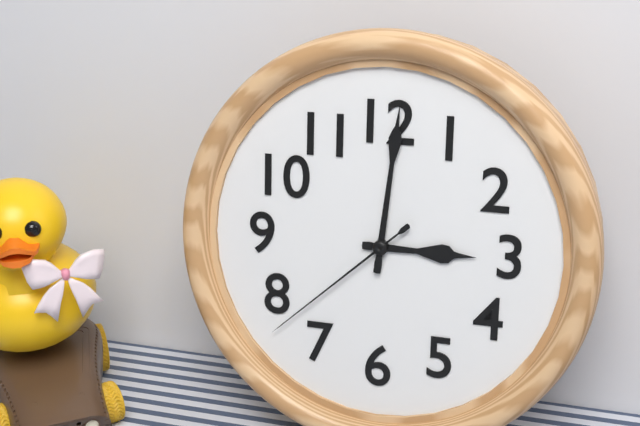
3:01:38
